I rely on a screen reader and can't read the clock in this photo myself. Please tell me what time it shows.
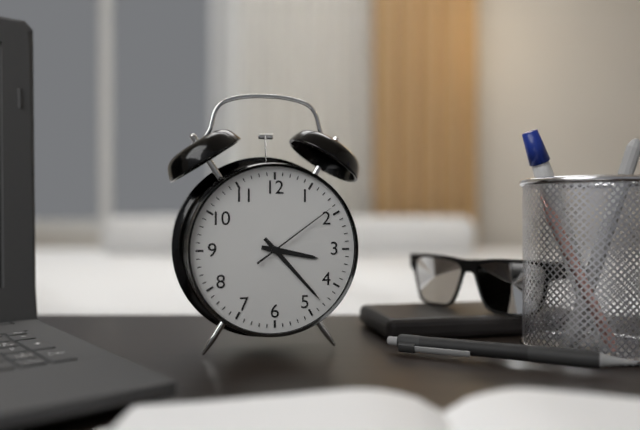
3:23:09
